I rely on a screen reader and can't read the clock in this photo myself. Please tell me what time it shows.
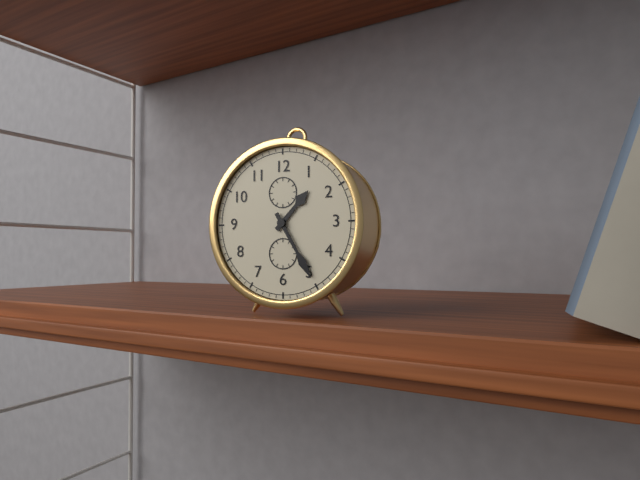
1:25
